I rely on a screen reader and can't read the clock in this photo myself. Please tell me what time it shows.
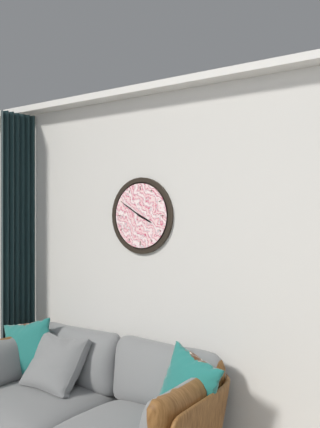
3:50
